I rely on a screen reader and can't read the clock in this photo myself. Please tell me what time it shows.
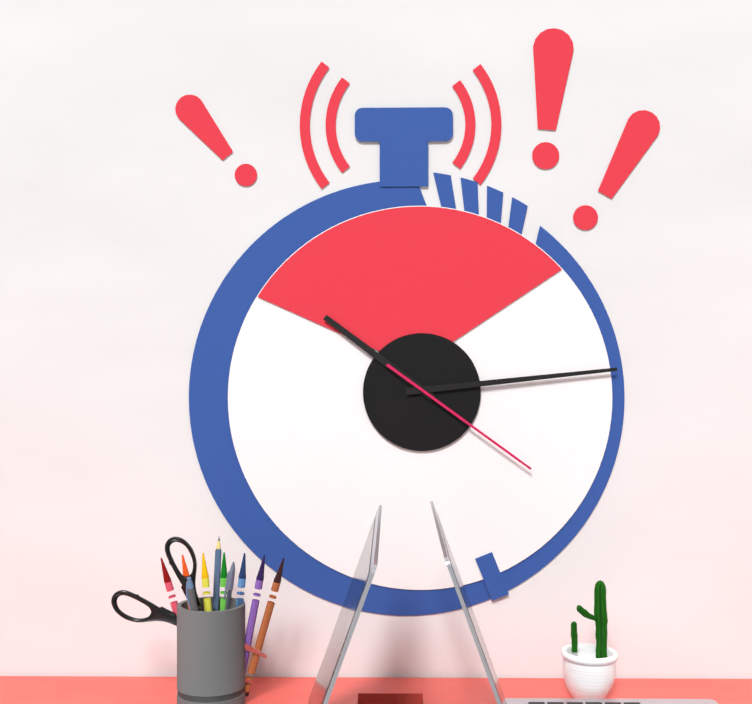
10:14:21
